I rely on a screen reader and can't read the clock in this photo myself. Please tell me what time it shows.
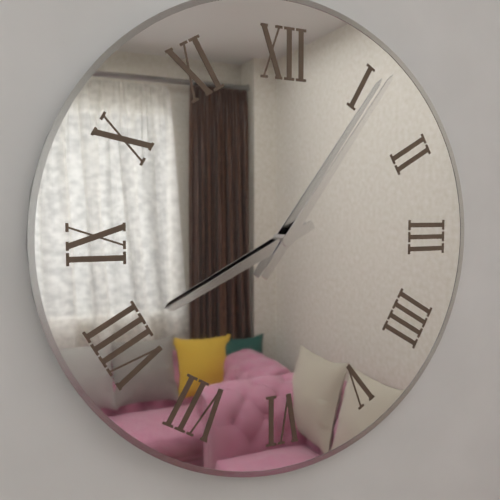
8:06
